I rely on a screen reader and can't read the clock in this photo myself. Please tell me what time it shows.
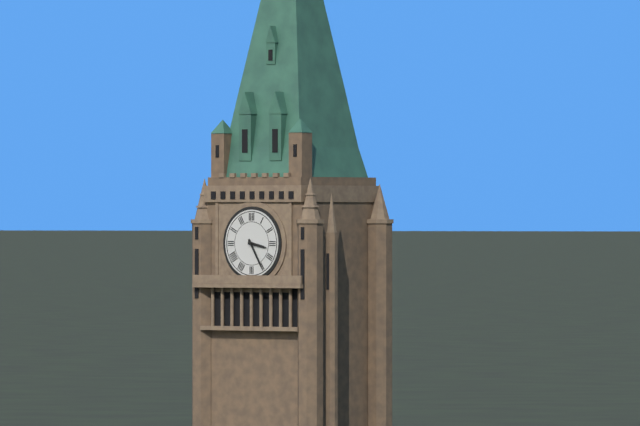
3:25
